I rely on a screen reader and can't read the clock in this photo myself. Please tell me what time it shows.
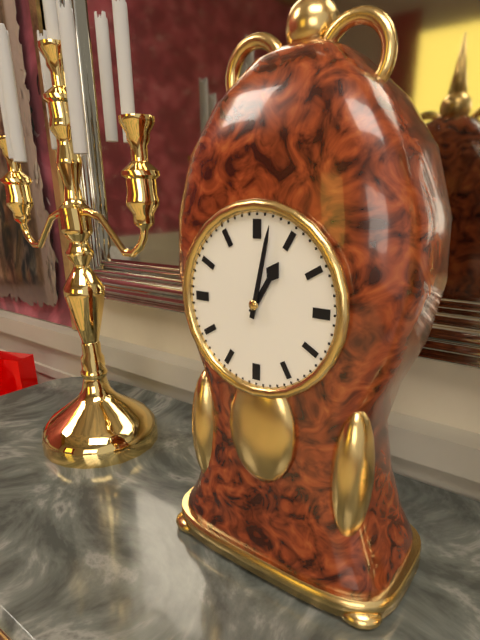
1:02
